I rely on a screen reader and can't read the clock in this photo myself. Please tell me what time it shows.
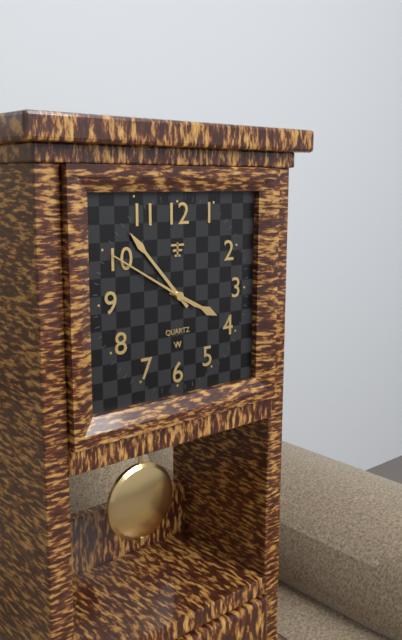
3:53:50
